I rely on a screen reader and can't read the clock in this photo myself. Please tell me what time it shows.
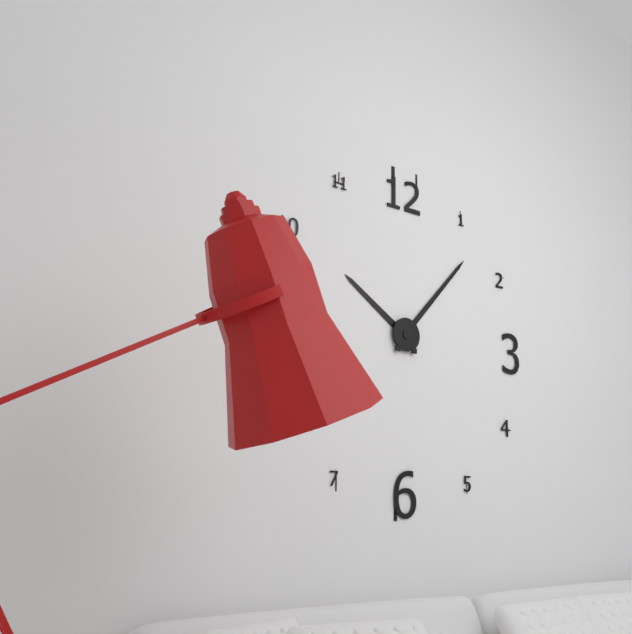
10:07
